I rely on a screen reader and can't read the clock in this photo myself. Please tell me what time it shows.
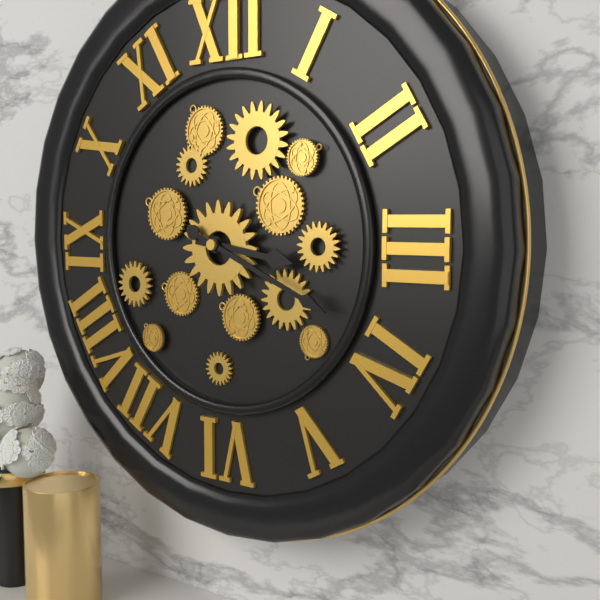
3:19
